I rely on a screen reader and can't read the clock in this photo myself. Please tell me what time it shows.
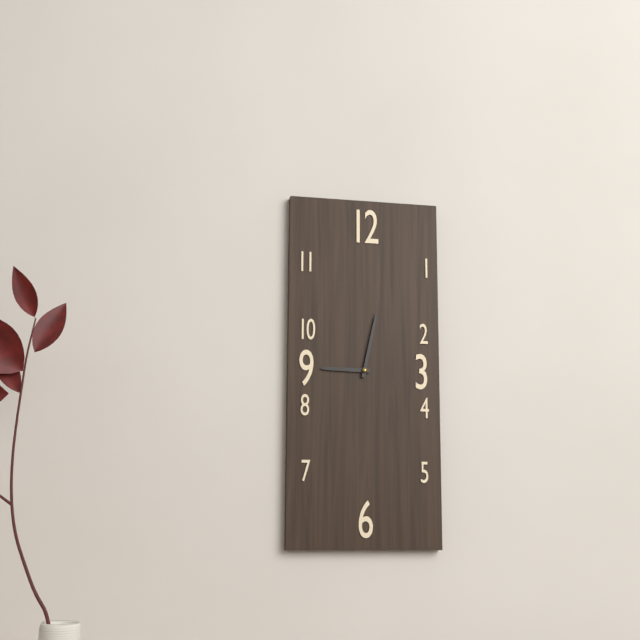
9:02
